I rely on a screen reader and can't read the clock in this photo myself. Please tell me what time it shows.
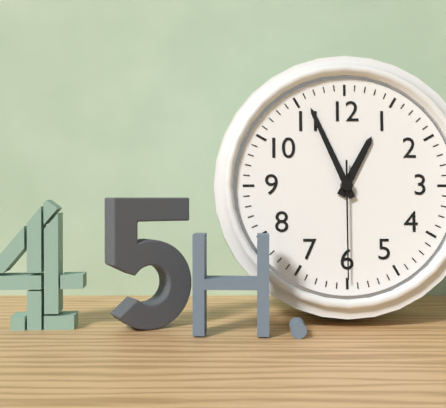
12:56:30
